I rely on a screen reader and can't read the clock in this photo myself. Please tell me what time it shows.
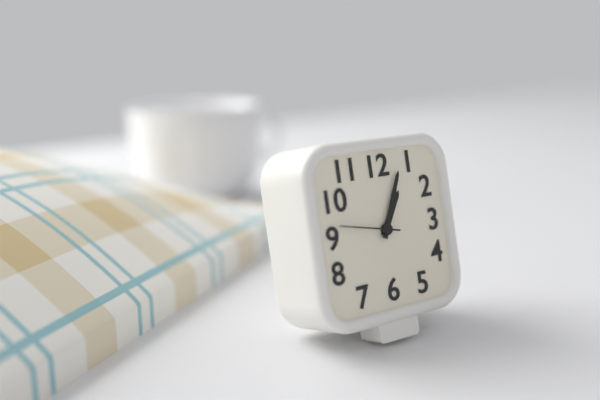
1:04:47
